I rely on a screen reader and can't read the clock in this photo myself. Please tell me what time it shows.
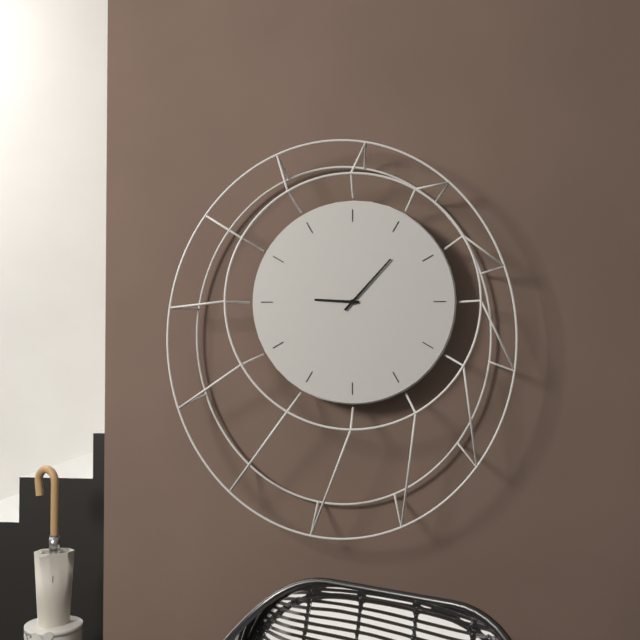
9:07
